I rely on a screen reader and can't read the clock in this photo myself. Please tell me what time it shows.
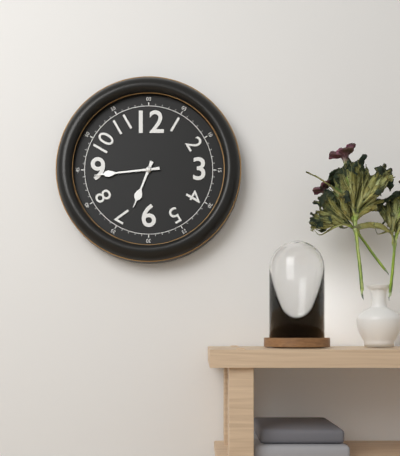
6:44
